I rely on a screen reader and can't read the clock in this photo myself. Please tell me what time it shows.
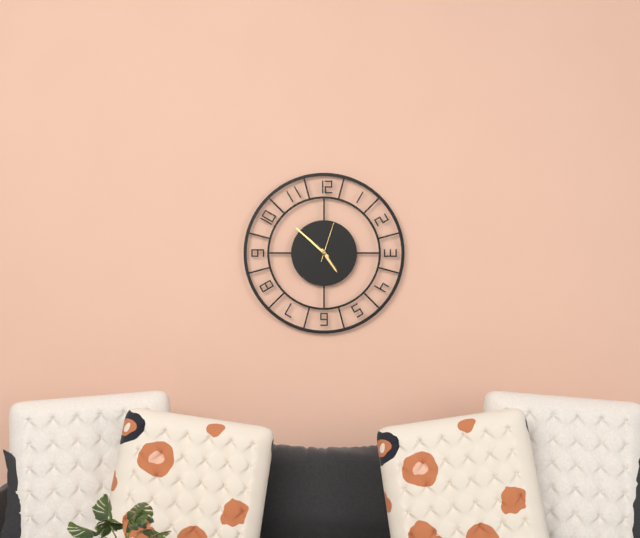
4:52
